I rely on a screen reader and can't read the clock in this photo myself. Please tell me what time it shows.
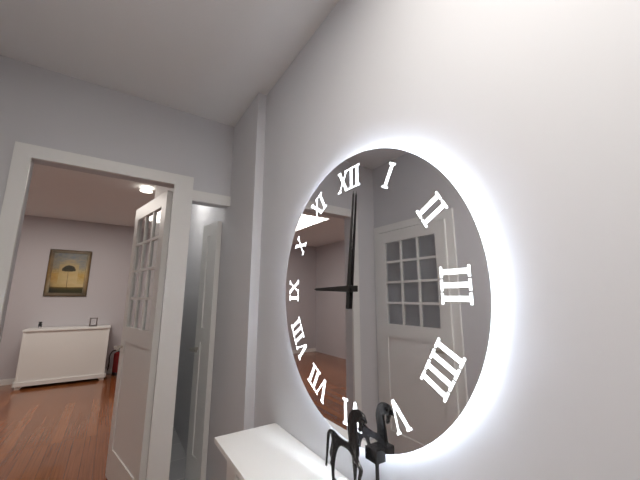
9:01
